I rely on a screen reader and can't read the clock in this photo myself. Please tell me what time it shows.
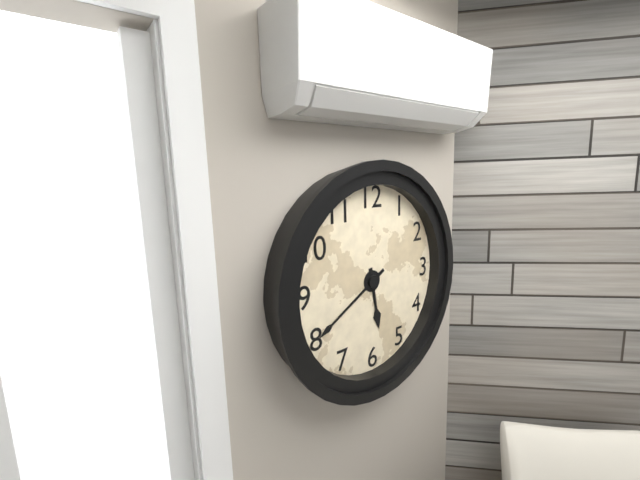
5:40
